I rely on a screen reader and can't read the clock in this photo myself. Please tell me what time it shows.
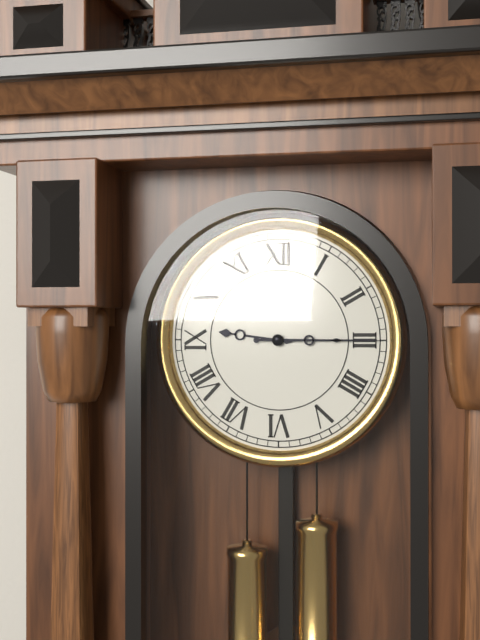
9:15
